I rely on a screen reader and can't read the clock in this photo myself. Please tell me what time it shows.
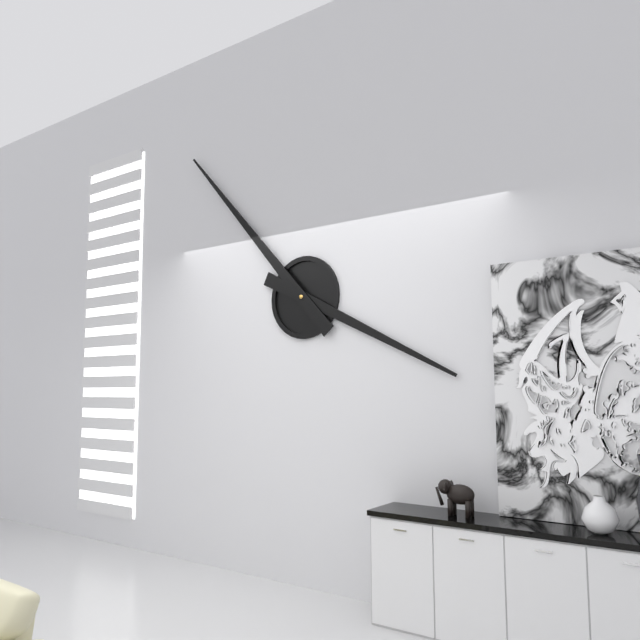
3:53
